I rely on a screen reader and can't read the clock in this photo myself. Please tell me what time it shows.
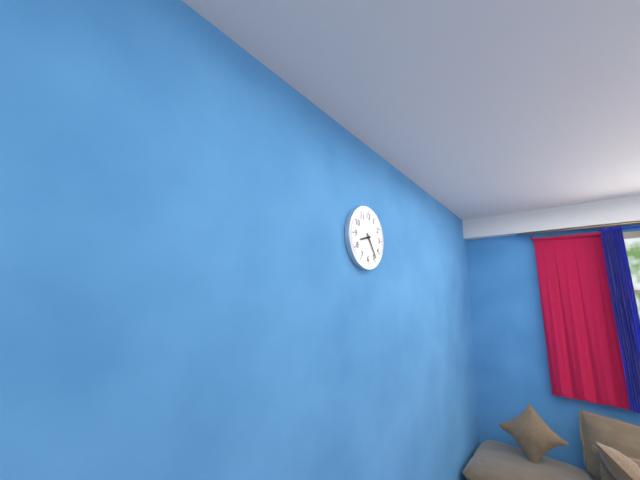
8:24
